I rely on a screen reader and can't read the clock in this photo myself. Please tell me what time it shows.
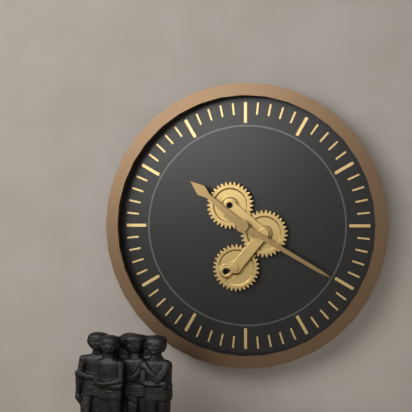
10:20
